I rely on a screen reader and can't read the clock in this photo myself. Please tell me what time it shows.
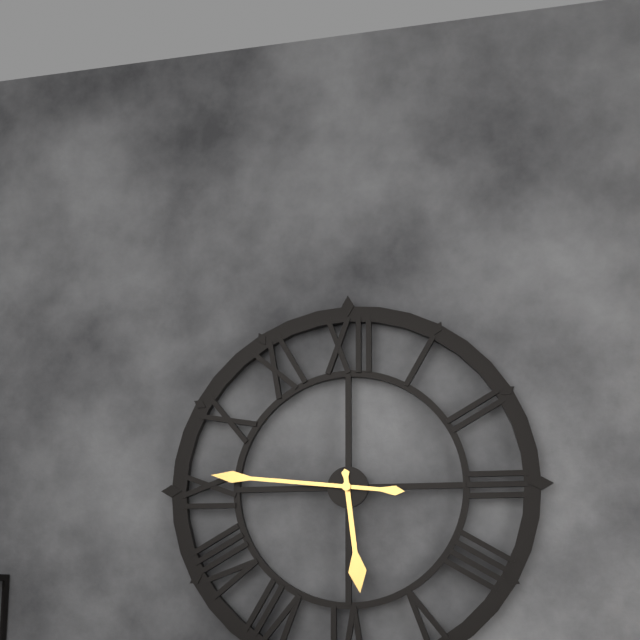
5:46
